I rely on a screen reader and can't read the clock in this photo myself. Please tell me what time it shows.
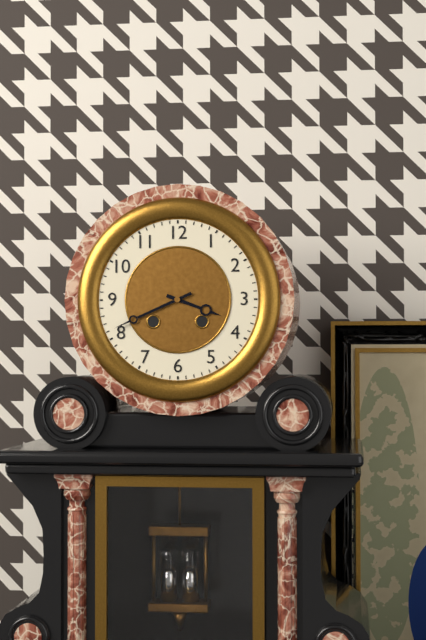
3:41
